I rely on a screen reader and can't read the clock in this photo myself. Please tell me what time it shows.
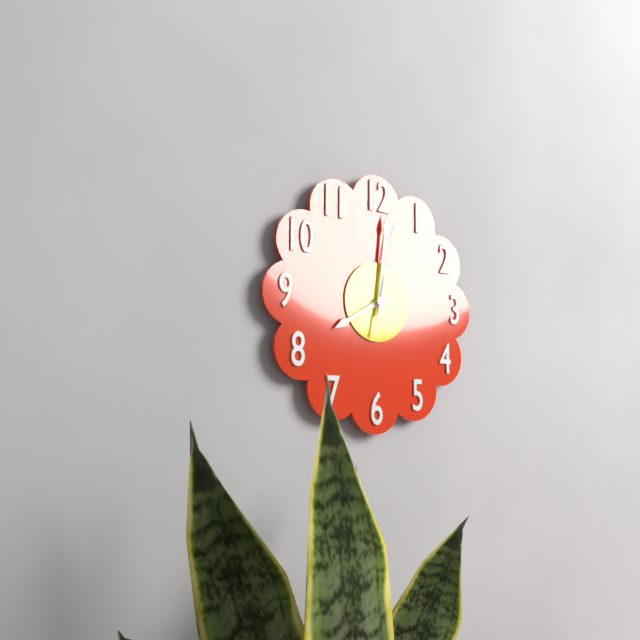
8:01:02
